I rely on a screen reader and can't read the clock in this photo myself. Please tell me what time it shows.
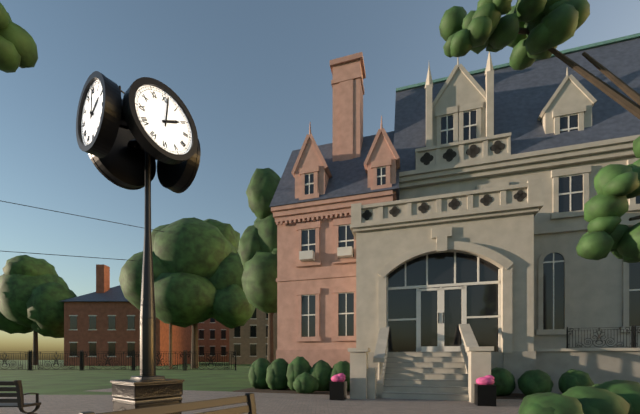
2:01
